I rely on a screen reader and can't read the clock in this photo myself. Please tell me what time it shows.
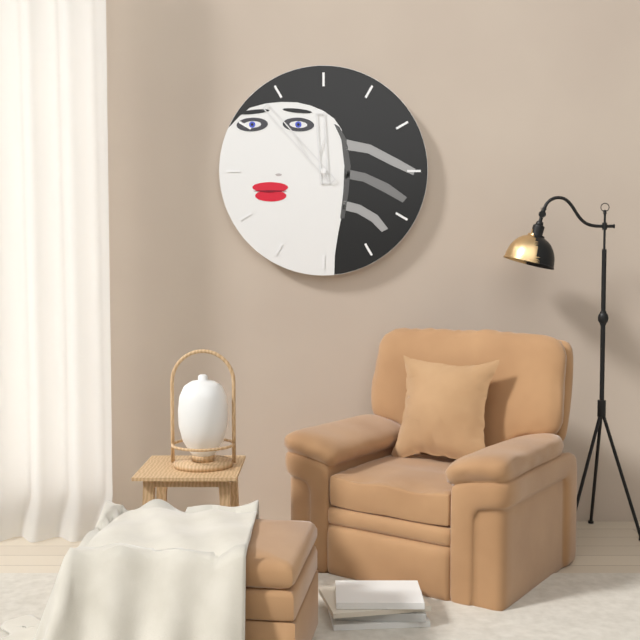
11:53
